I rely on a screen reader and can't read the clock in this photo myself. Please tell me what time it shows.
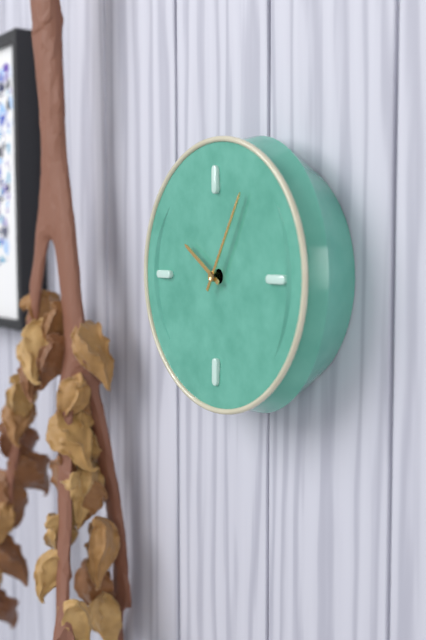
10:05
